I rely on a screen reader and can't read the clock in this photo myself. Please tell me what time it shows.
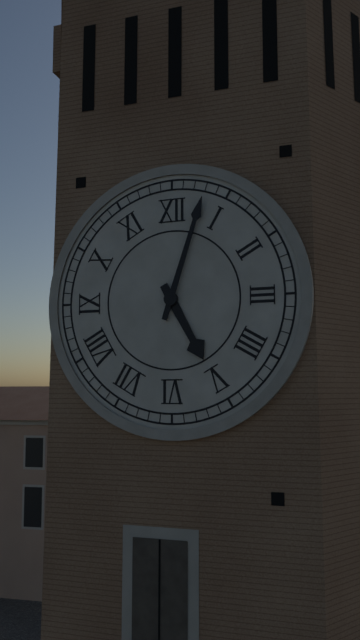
5:03
